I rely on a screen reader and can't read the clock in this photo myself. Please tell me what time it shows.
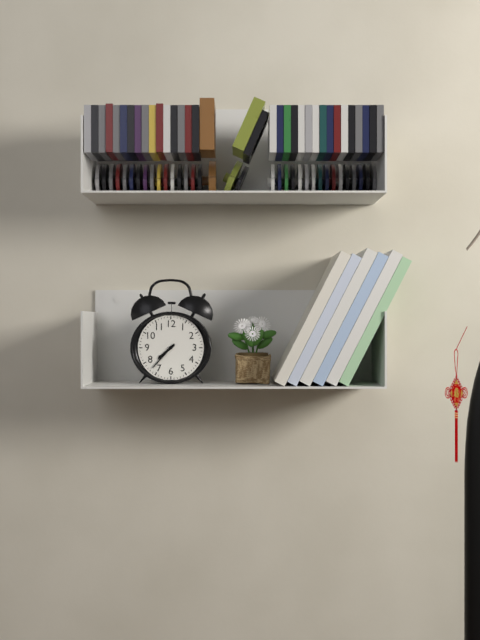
7:37
